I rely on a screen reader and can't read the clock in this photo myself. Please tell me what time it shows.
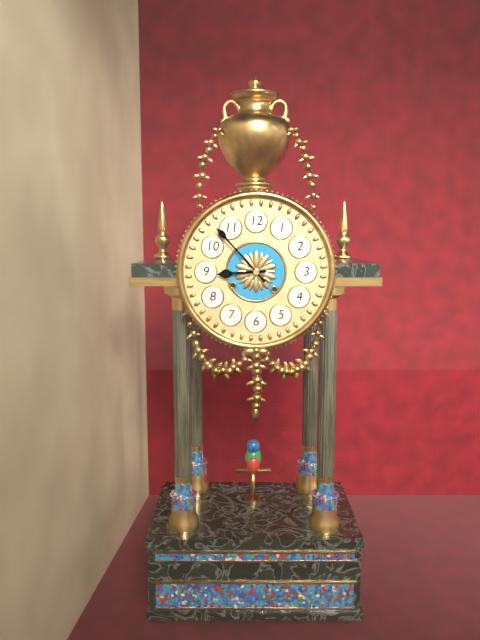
8:53
